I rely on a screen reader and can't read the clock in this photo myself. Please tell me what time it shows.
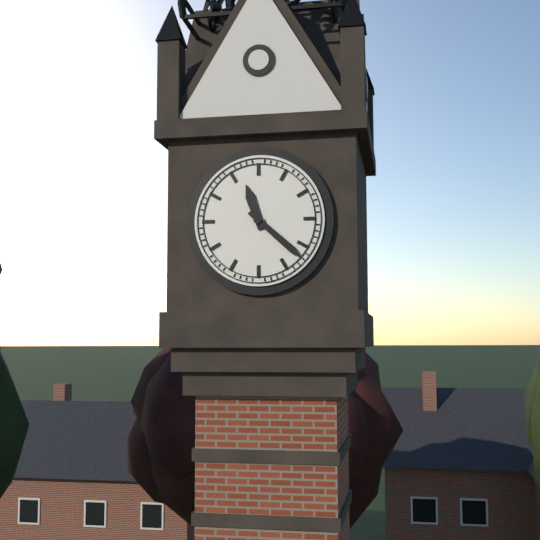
11:22
